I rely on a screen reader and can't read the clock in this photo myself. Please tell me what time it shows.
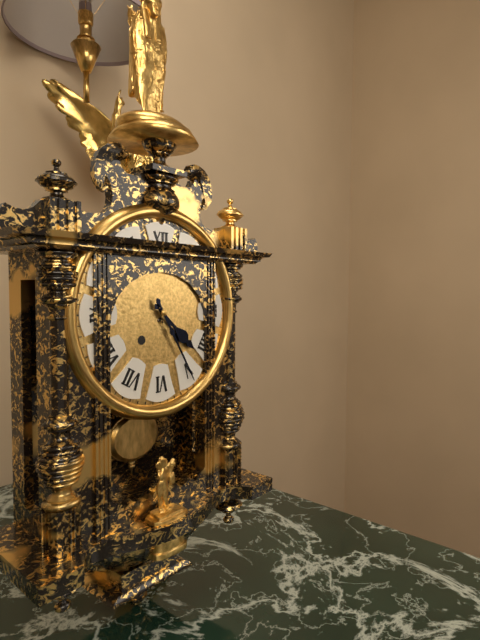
4:25
